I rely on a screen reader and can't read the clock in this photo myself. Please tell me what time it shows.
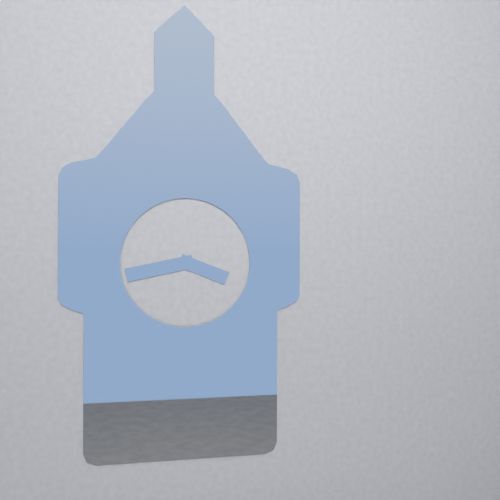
3:43
